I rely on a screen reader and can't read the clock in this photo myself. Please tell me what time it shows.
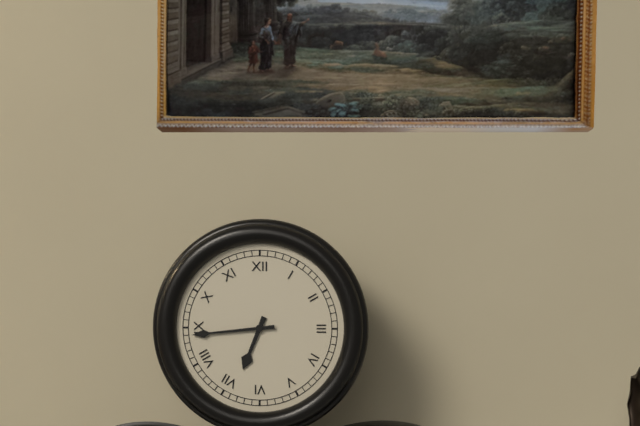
6:44
